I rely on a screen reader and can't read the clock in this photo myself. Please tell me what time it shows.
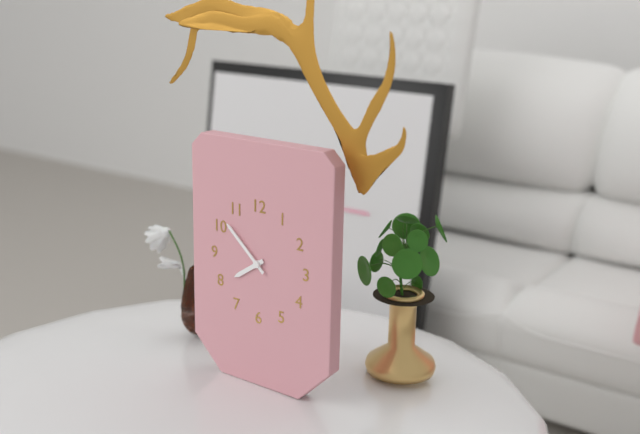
7:52
